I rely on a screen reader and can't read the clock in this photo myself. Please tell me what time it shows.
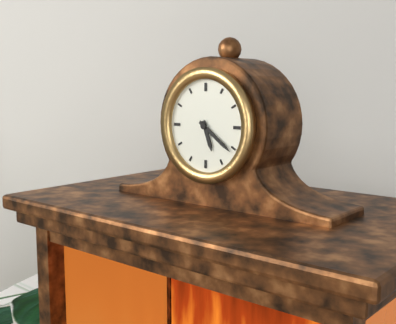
5:21
